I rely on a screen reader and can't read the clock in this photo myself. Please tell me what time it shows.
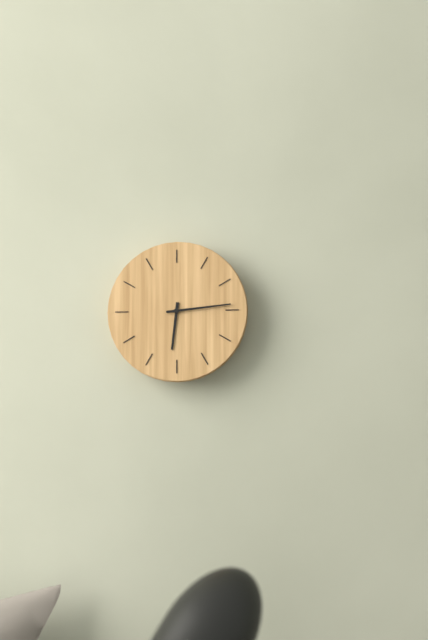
6:14
